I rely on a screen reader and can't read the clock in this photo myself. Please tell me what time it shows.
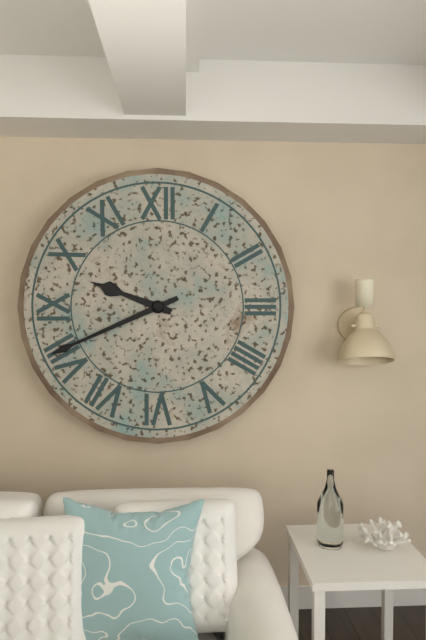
9:41
